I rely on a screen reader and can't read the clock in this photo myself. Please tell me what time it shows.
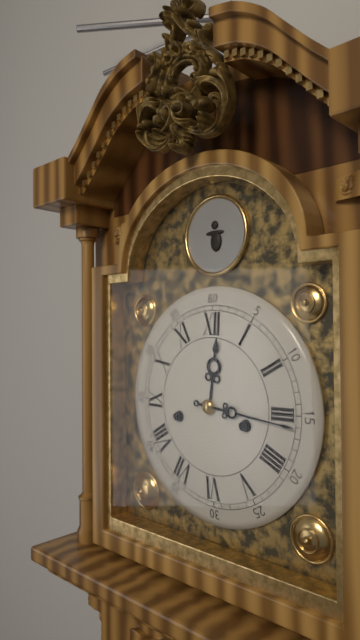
12:16
